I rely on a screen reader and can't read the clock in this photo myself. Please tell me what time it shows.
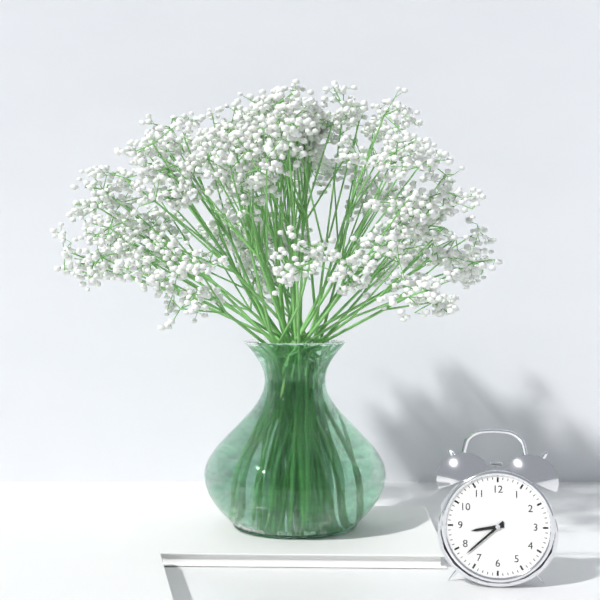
8:38
